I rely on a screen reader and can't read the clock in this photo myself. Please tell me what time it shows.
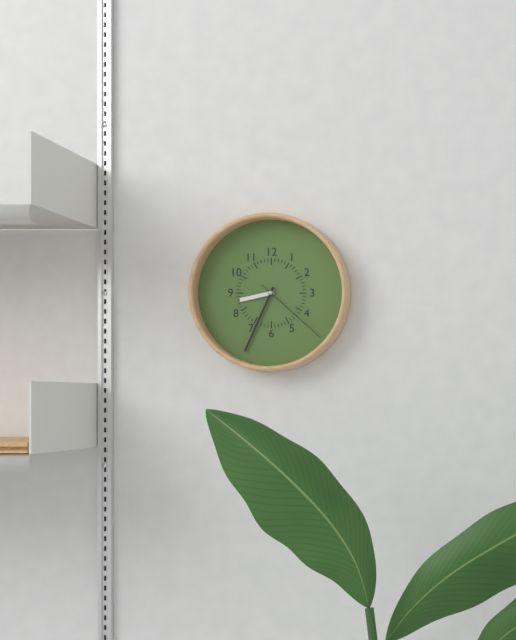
8:34:22
